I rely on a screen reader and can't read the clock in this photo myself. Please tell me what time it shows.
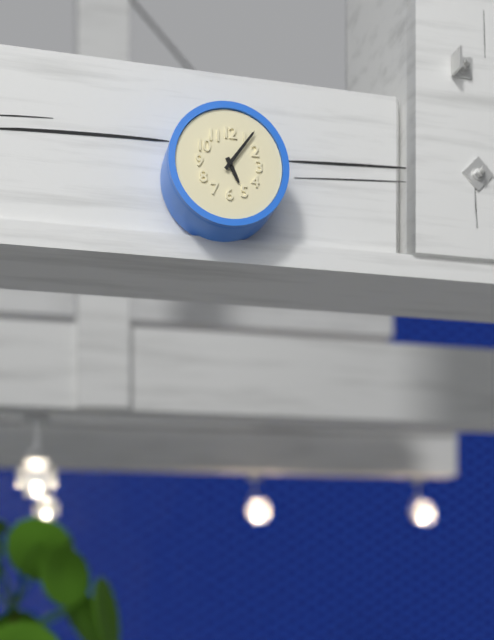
5:06
